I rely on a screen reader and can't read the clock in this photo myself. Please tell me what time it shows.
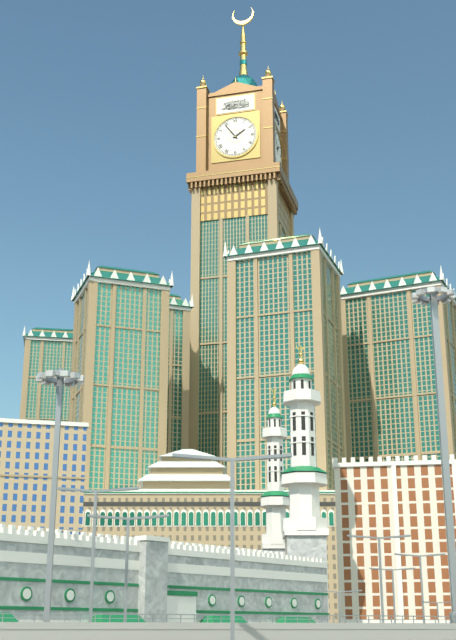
1:54
